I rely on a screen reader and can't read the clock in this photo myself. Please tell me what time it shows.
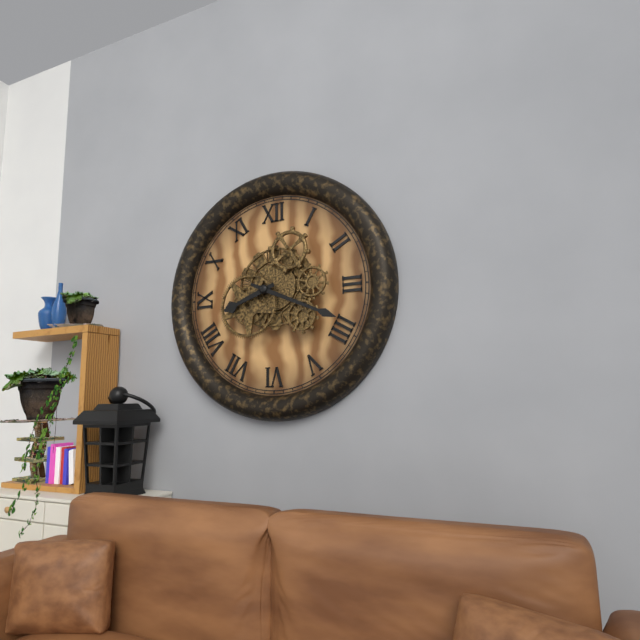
8:19
